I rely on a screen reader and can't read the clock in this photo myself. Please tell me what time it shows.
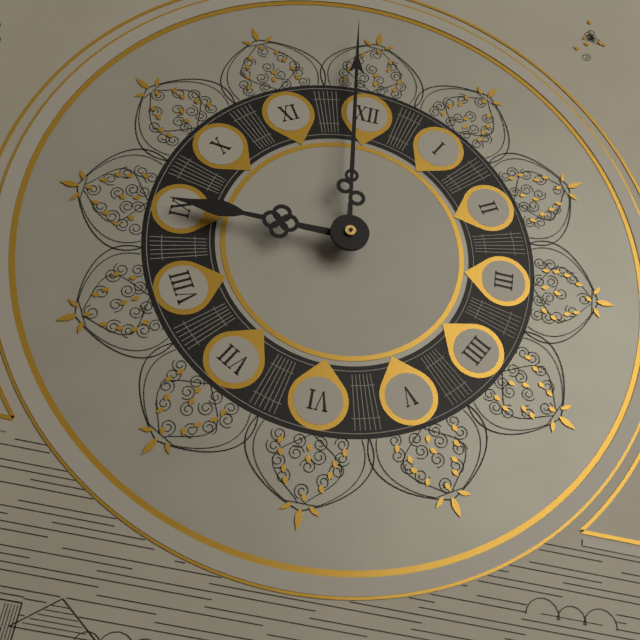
8:59
